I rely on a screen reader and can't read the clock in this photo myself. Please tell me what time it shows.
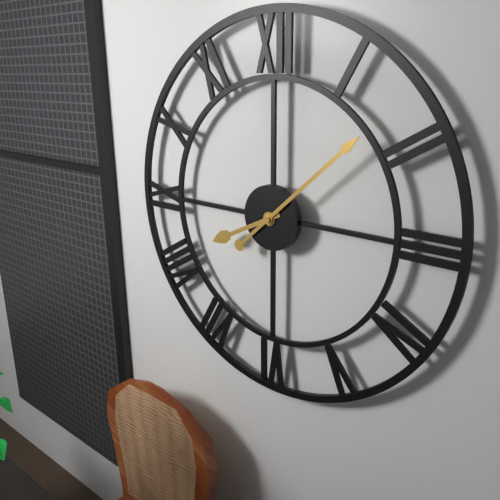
8:08
